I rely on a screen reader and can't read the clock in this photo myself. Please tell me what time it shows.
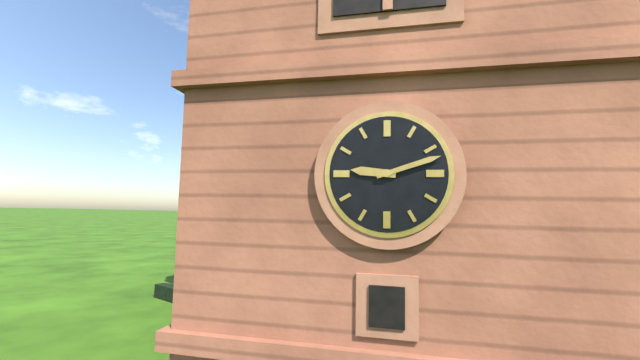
9:12
